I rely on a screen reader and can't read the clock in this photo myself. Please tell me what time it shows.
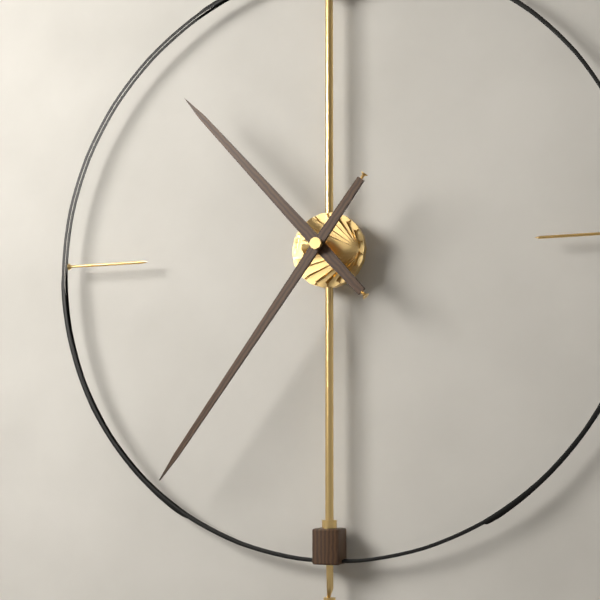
10:36
